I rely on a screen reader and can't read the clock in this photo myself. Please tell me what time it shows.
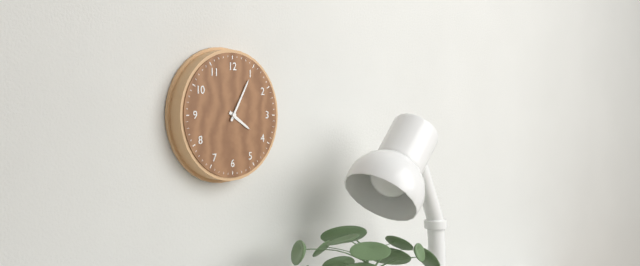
4:05
